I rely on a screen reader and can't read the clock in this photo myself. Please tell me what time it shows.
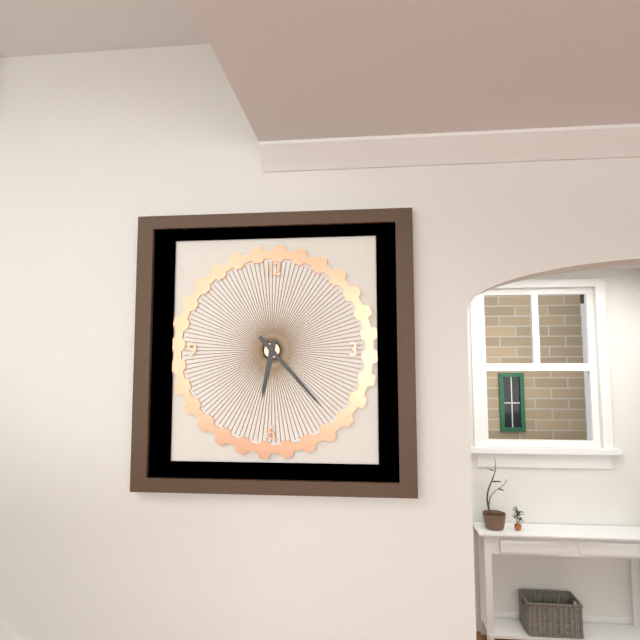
6:23
